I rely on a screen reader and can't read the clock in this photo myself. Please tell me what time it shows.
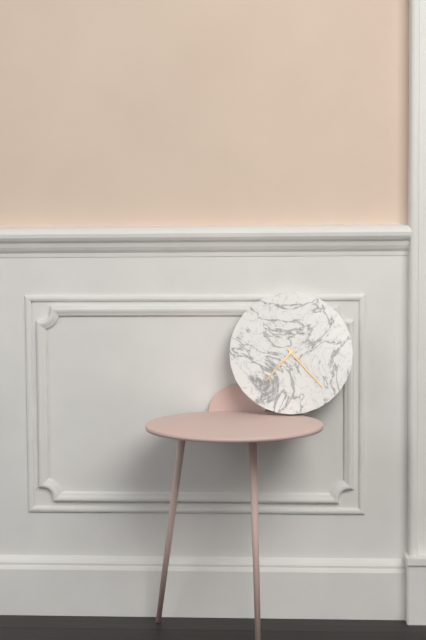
7:23
